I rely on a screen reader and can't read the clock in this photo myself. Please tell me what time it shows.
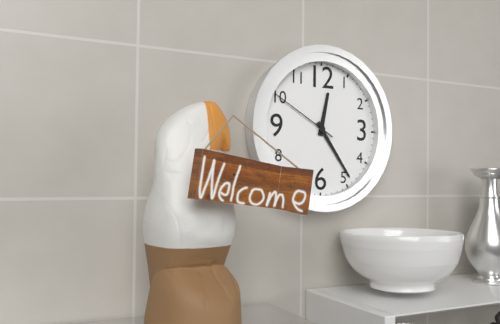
12:24:50
